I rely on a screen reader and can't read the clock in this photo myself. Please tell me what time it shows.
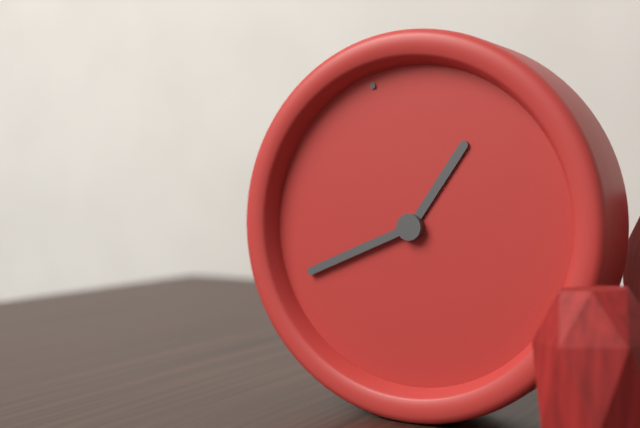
1:44
